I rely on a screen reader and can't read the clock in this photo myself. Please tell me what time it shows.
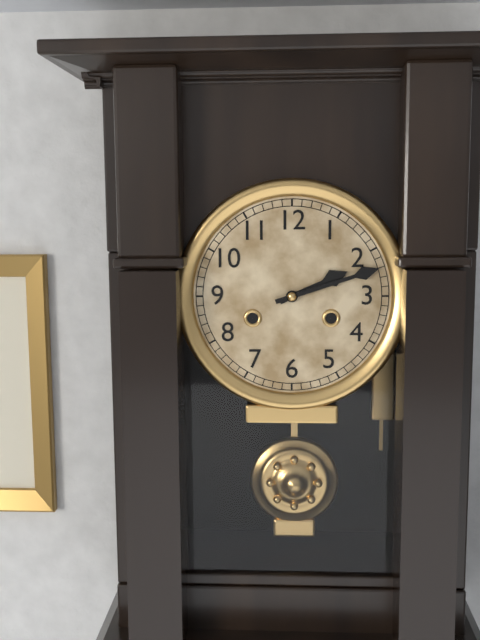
2:12
